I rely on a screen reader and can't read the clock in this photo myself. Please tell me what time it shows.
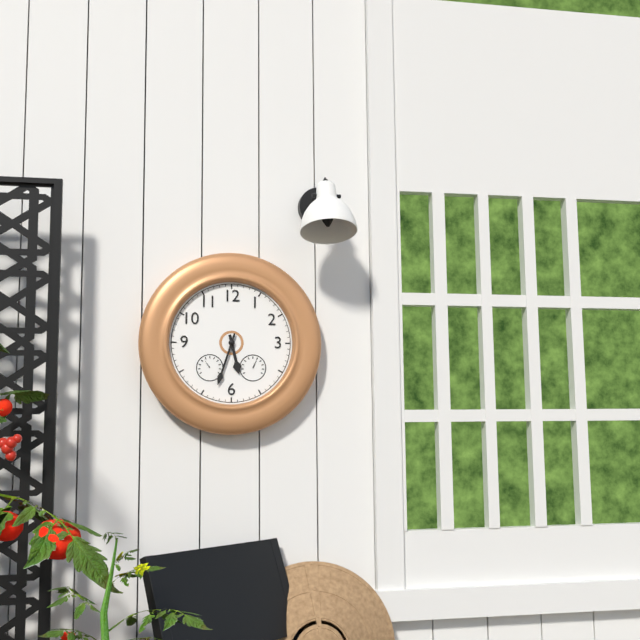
5:33
